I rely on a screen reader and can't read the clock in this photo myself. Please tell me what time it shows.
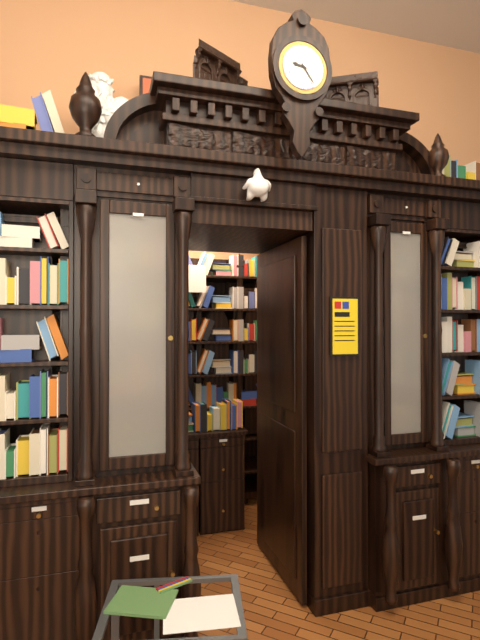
9:24
